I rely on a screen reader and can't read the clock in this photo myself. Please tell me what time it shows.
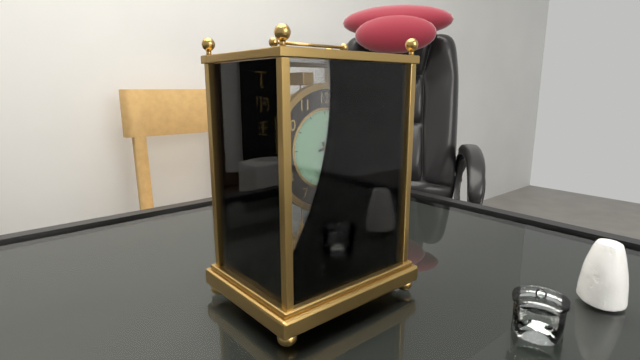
5:13
